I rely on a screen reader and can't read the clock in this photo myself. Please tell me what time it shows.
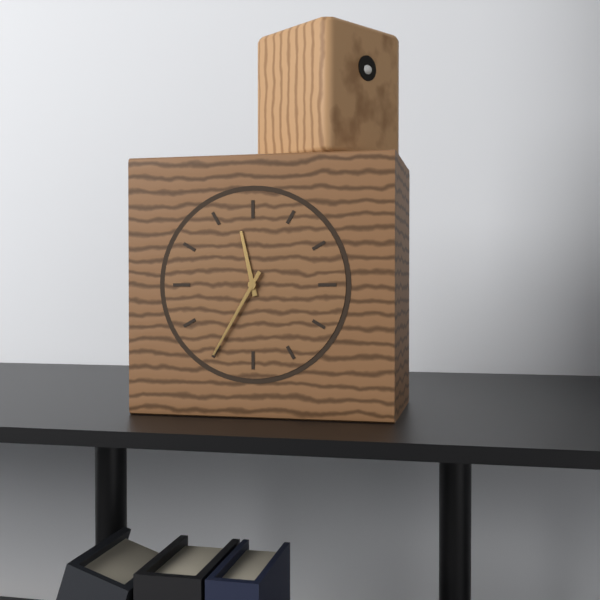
11:35
